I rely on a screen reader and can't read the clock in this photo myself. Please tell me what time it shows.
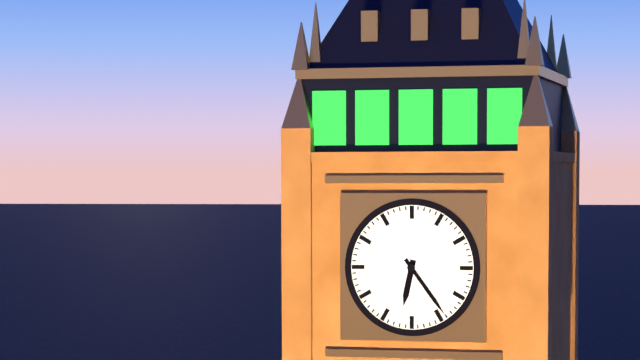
6:24
